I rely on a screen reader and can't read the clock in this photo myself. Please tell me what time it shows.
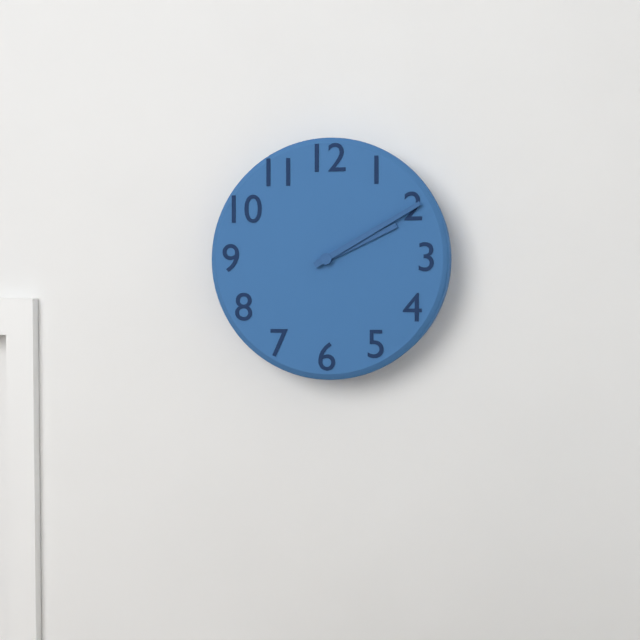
2:10
